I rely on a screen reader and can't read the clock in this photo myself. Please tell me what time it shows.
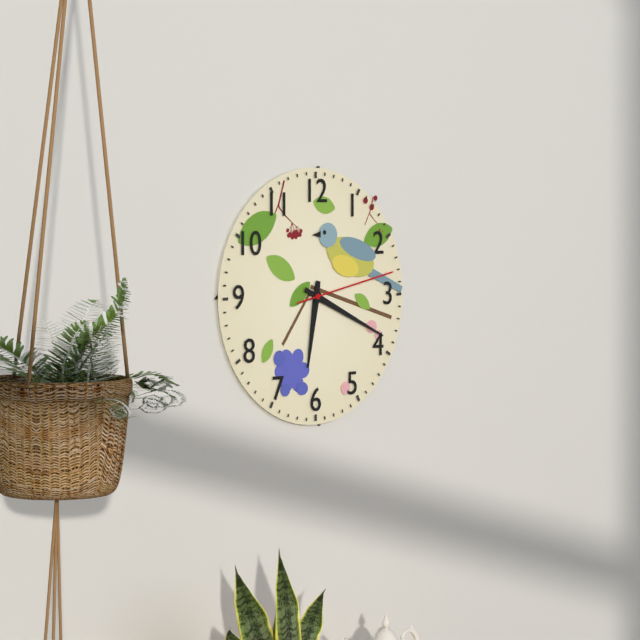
6:19:13
